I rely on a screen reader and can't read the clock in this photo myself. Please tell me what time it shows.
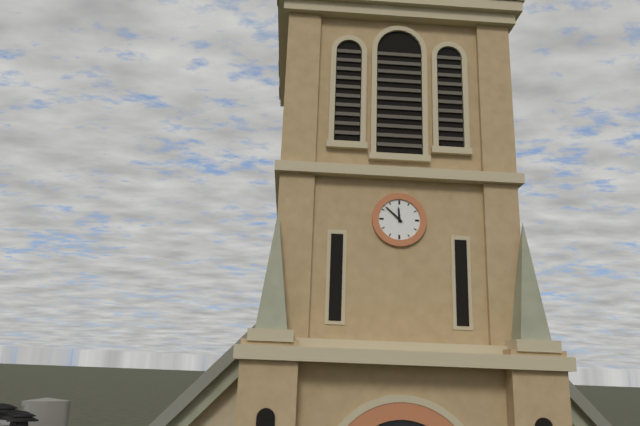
11:52
